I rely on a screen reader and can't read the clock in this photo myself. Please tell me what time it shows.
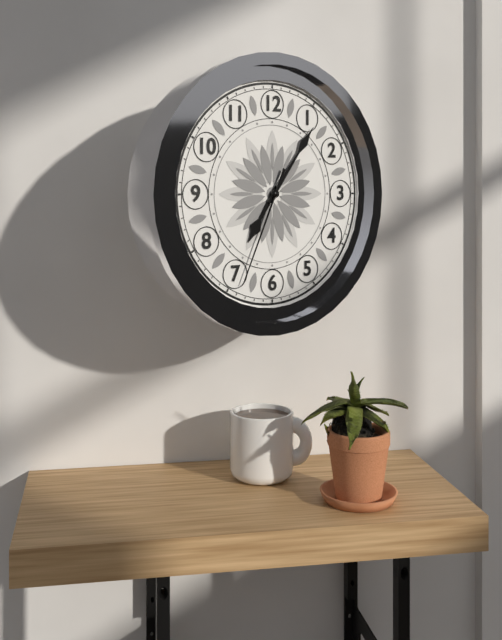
7:06:34
